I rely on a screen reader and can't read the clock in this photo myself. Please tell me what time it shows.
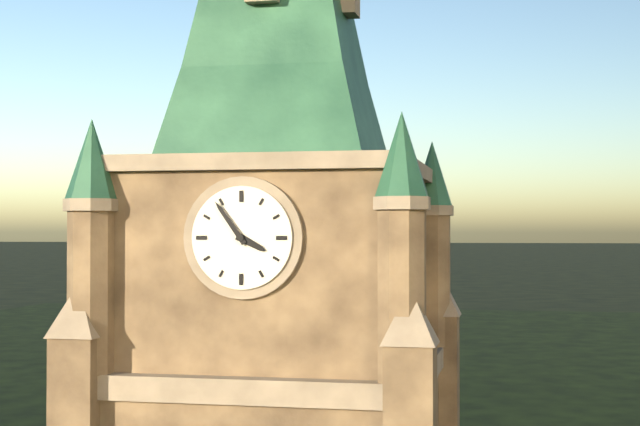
3:54
